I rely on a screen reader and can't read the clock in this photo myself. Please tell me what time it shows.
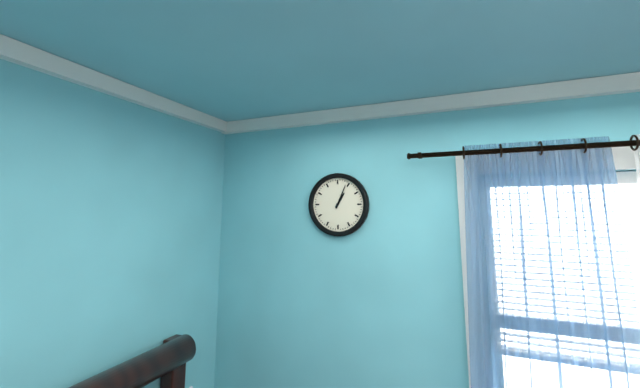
1:04
